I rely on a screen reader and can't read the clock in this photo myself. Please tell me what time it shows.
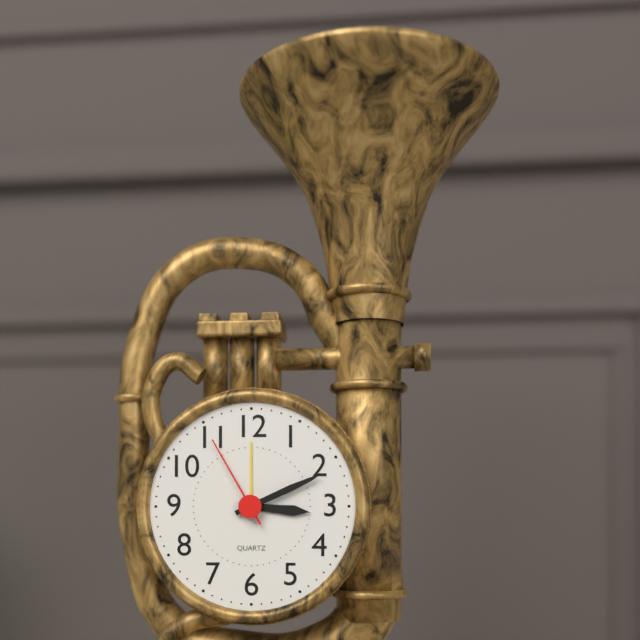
3:11:55
